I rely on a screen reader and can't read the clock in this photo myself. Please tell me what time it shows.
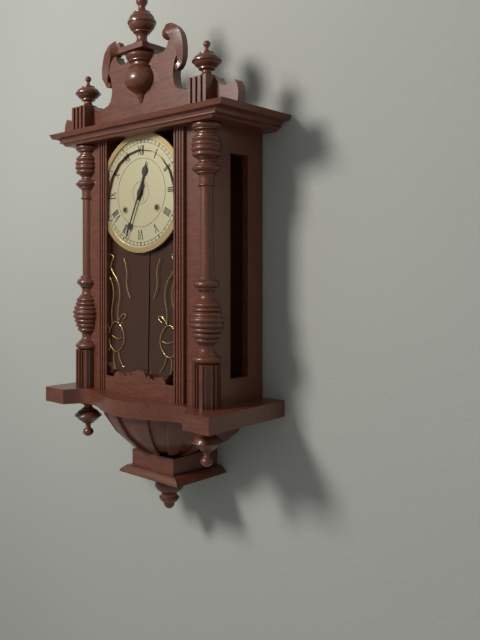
12:34
